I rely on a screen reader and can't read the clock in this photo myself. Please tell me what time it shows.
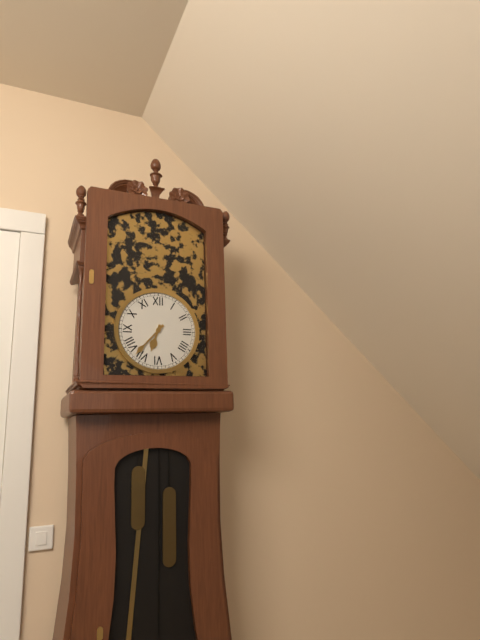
6:37
